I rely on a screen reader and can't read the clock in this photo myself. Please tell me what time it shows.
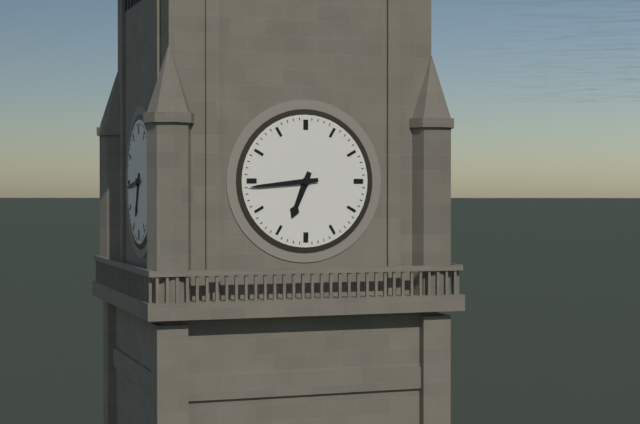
6:44
